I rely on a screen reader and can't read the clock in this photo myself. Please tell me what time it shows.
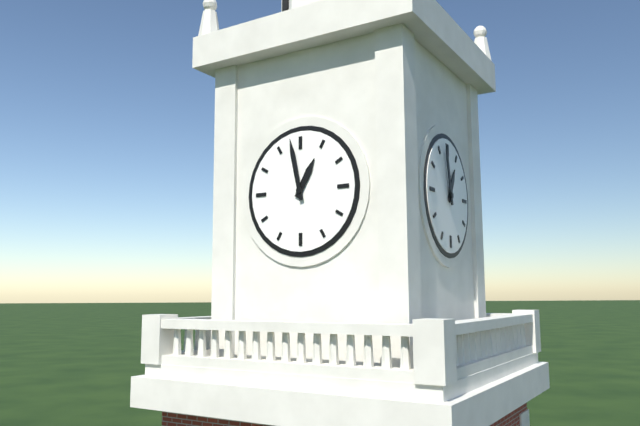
12:58
